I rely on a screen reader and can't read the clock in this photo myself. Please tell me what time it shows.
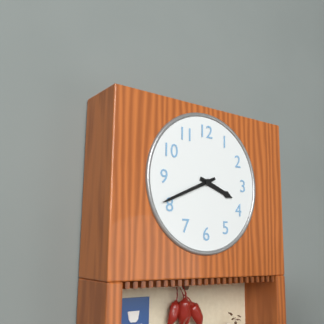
3:41
